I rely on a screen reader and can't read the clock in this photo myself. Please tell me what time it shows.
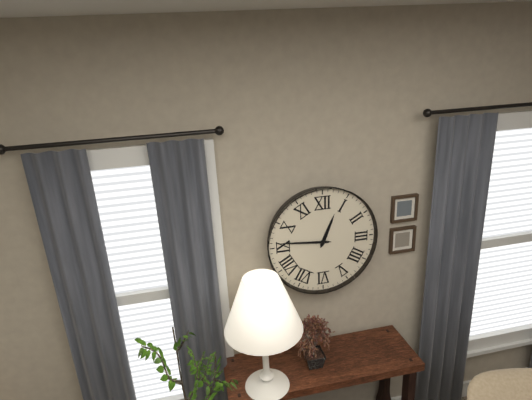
12:46
